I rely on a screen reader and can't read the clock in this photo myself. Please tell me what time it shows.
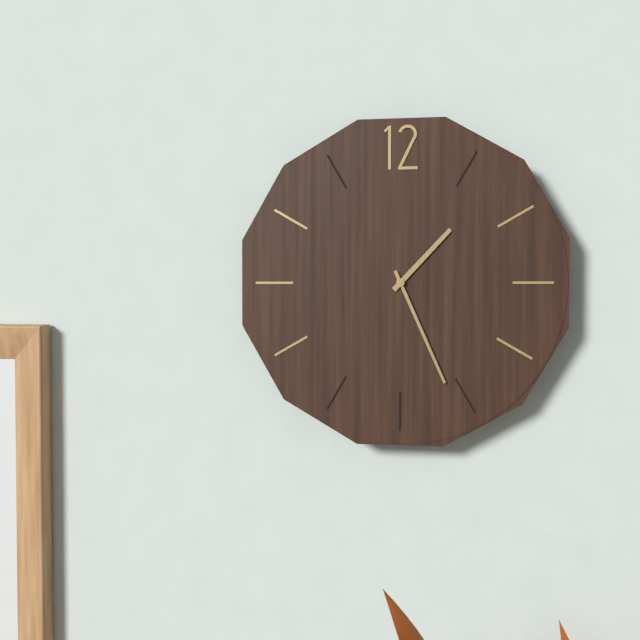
1:26
